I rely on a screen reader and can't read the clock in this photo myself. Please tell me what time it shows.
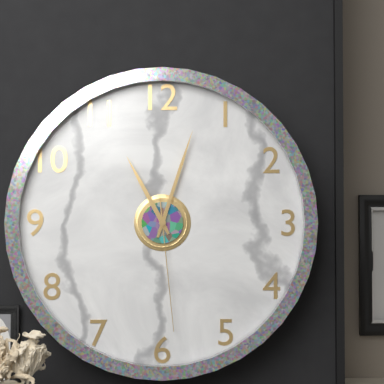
11:03:29
